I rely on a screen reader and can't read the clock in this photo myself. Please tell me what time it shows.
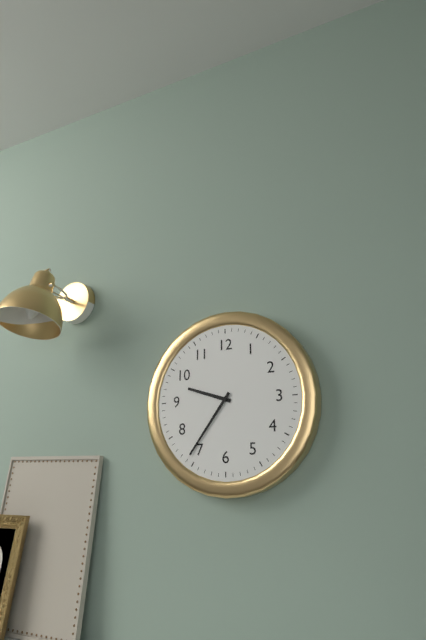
9:36
